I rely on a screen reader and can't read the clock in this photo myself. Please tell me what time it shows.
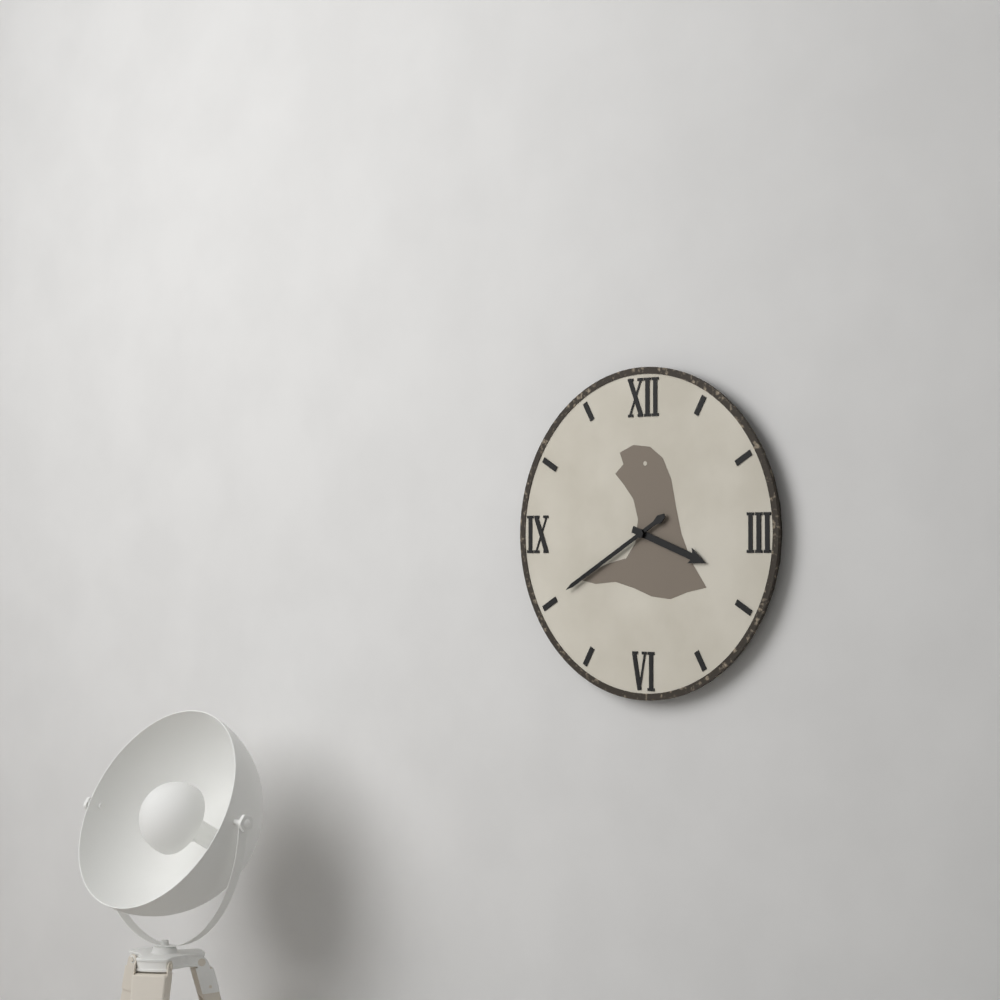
3:40
